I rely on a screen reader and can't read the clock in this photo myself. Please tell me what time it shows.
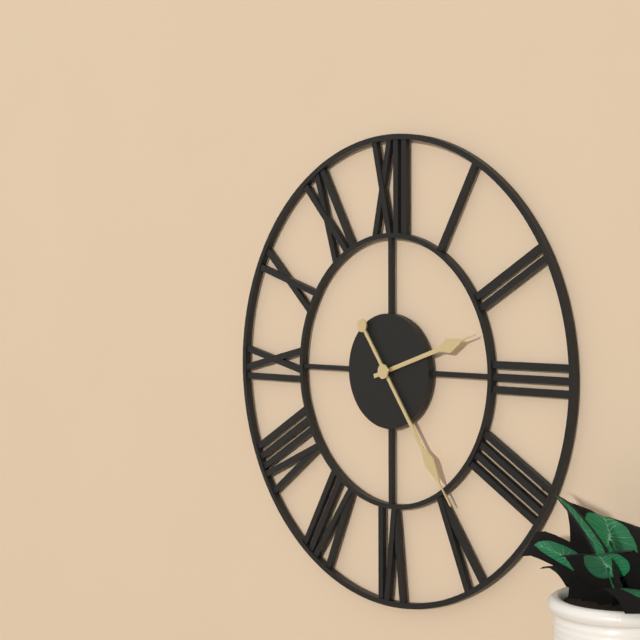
2:24
